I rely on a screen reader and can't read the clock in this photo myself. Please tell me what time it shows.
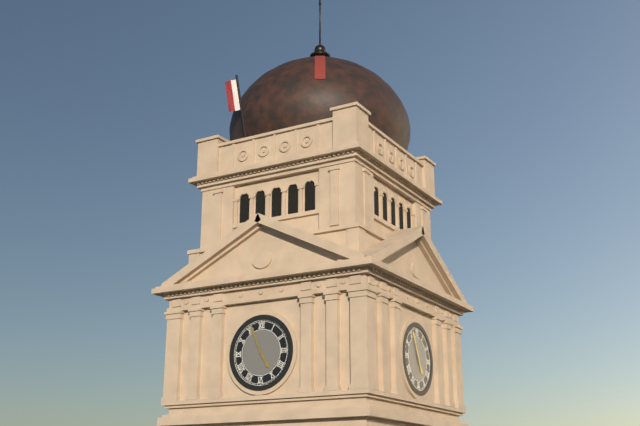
4:56
